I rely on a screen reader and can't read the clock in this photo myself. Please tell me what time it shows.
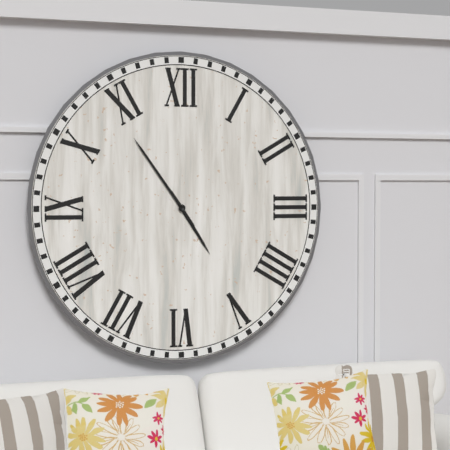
4:54
